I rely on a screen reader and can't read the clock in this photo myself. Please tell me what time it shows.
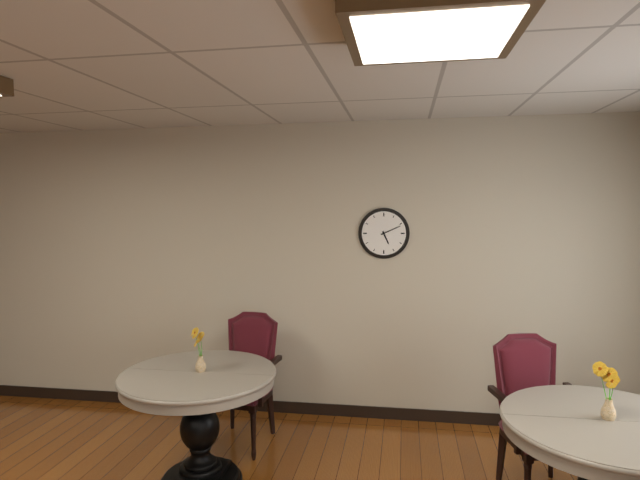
5:11
